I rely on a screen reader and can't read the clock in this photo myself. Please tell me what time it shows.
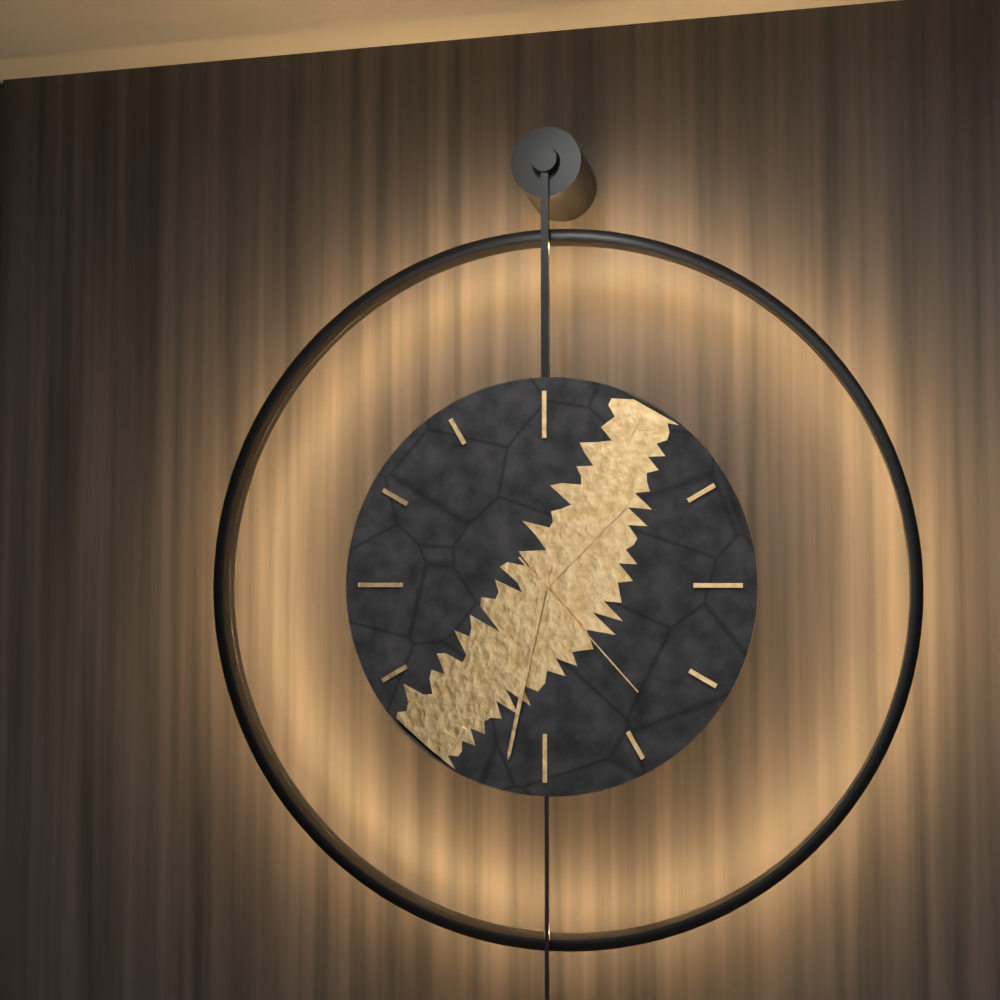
1:32:23
